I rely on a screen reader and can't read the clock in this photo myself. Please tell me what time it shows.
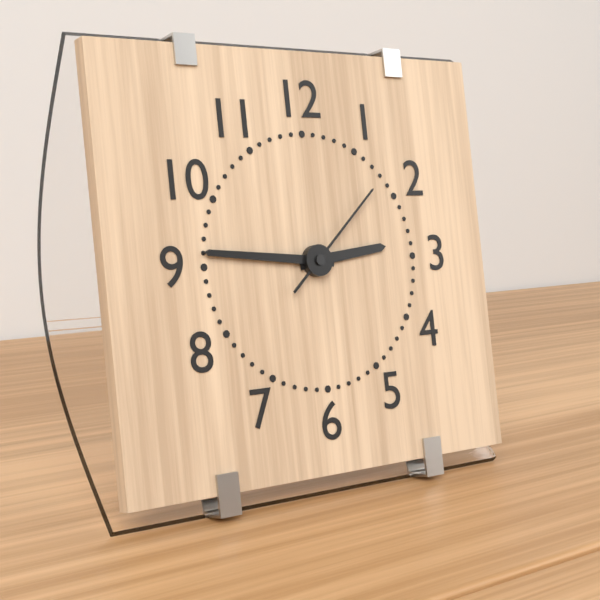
2:46:08
